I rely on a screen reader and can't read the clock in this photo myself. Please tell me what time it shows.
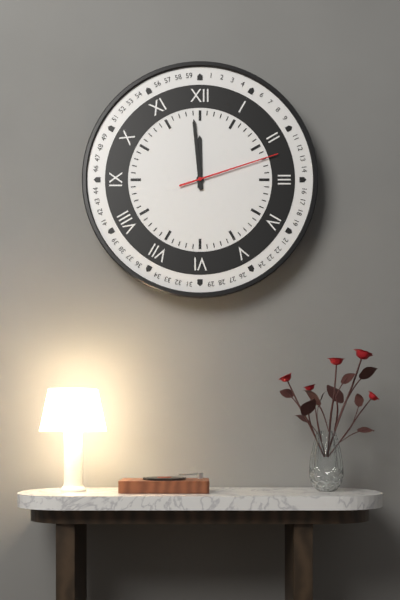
11:59:12
